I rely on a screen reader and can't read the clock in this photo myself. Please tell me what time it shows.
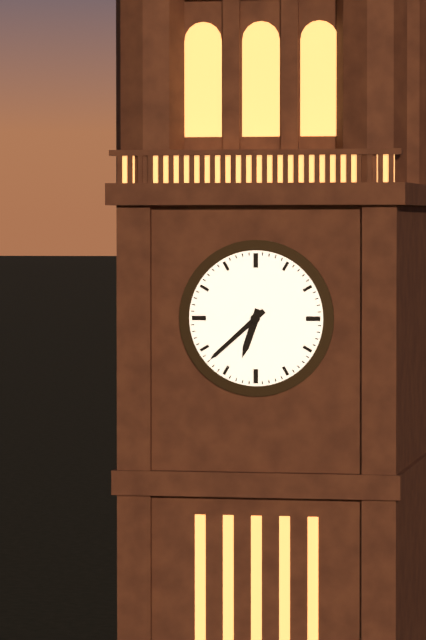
6:38
